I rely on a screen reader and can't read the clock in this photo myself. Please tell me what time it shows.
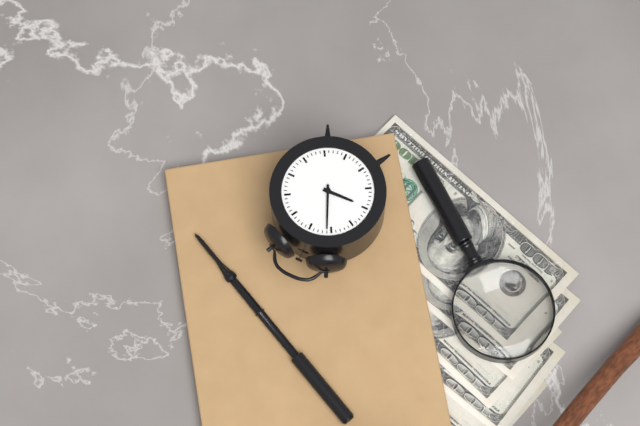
8:56
